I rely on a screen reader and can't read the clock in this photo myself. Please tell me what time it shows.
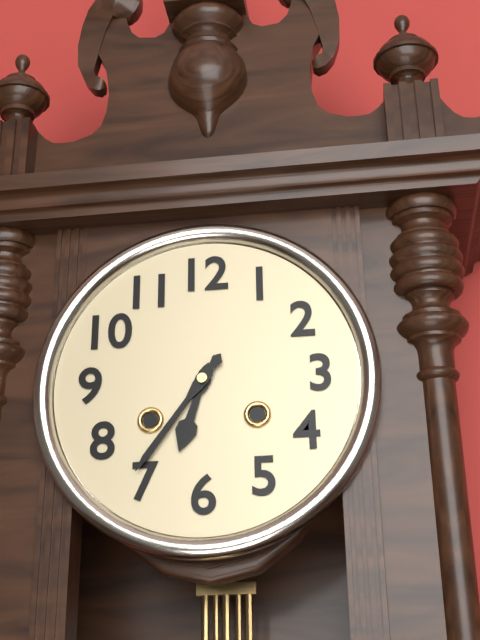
6:36
